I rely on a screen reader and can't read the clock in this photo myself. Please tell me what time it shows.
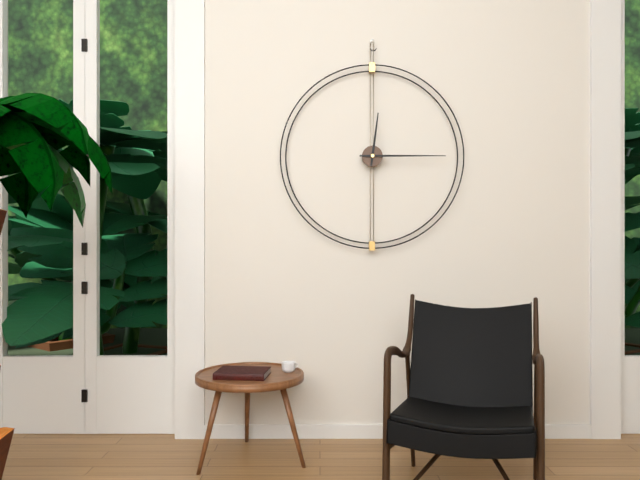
12:15
